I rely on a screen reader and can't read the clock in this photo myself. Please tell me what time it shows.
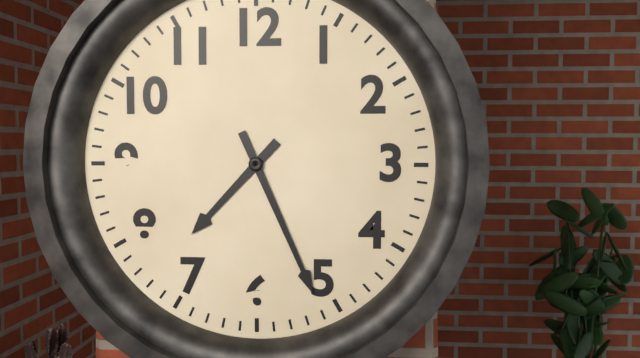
7:26
